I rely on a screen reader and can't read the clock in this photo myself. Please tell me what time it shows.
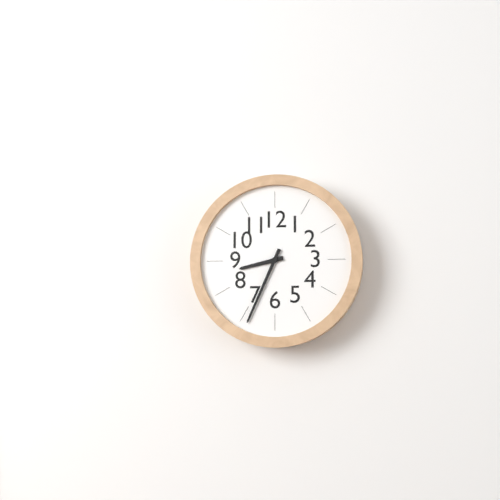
8:34
